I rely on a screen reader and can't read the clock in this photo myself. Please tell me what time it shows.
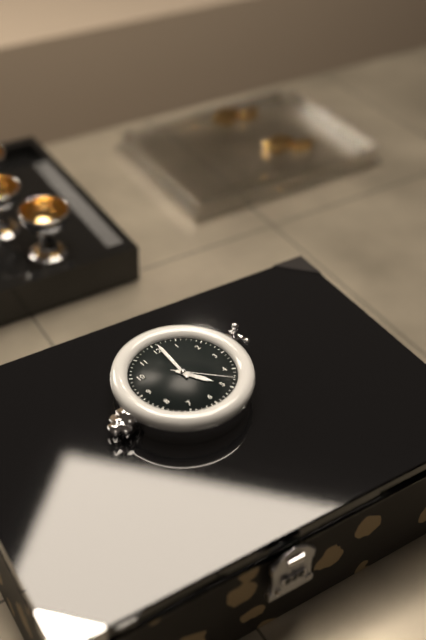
5:01:23
